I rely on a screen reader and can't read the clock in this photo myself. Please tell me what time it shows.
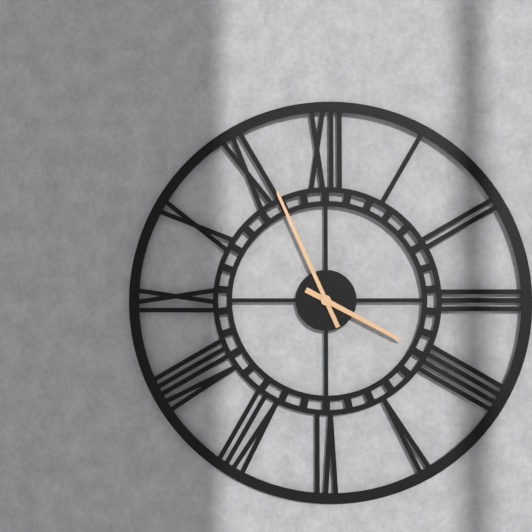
3:56
